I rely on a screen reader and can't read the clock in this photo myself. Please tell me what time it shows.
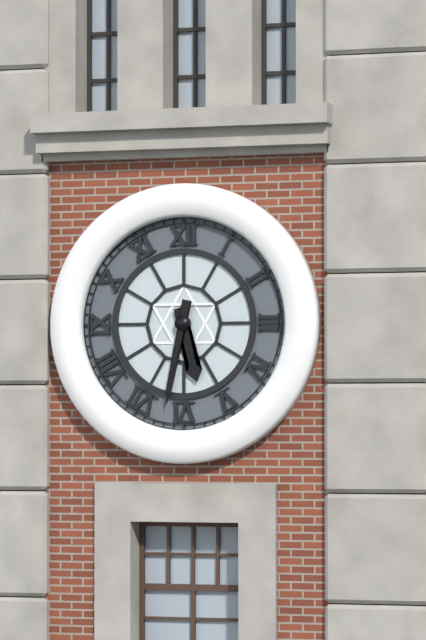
5:32
